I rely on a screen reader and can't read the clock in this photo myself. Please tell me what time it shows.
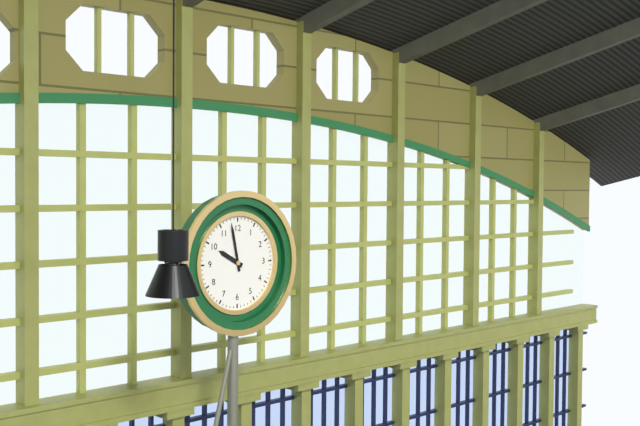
9:58
